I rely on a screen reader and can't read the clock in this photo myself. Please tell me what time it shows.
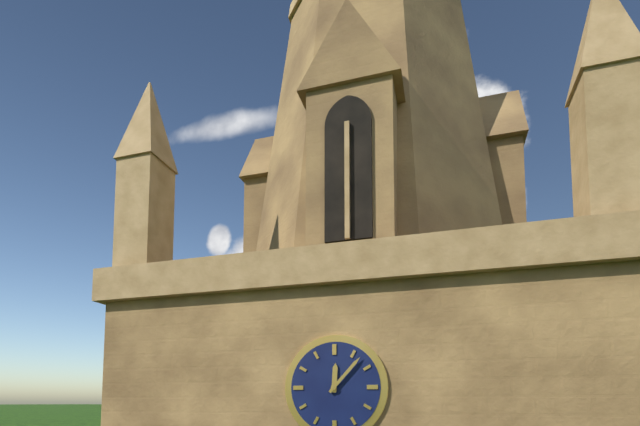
12:07
